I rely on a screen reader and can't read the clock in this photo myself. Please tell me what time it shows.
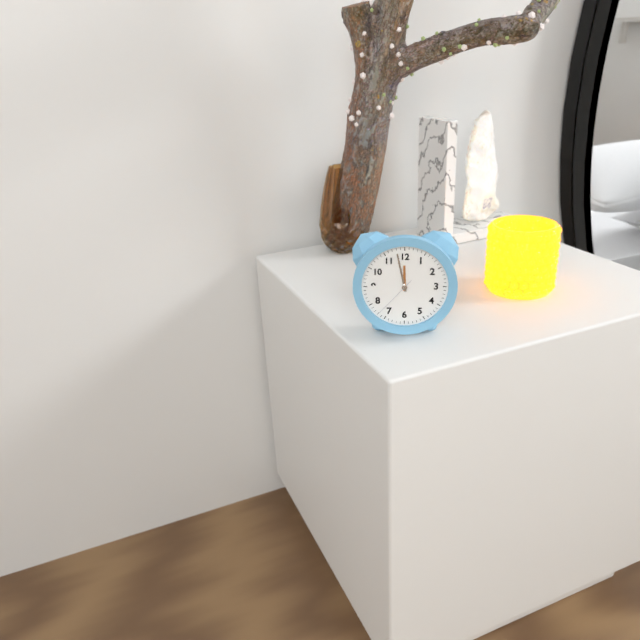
11:58
